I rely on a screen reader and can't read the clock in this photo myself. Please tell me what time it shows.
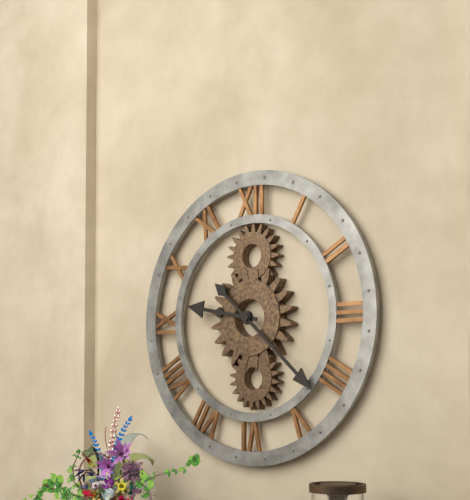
9:22
